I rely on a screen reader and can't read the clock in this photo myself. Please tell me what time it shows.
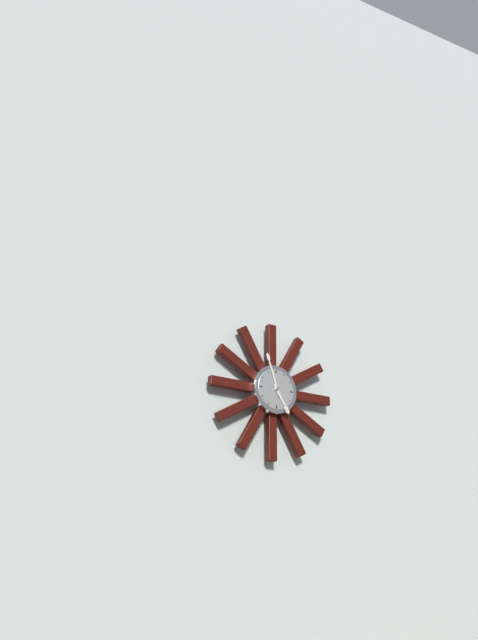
4:57
